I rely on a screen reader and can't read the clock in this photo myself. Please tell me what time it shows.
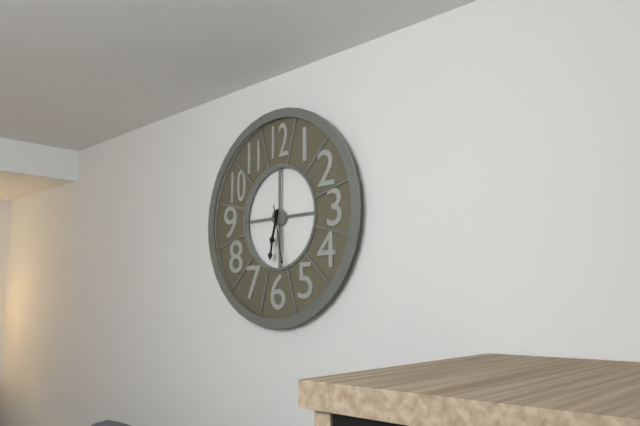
6:32:28
